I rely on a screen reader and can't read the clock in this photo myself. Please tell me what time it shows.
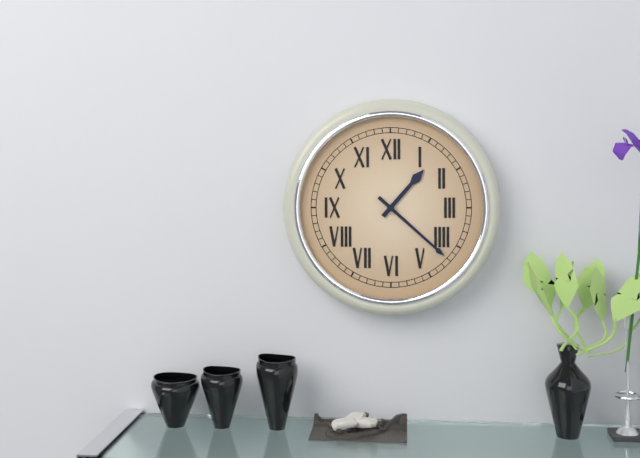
1:22
